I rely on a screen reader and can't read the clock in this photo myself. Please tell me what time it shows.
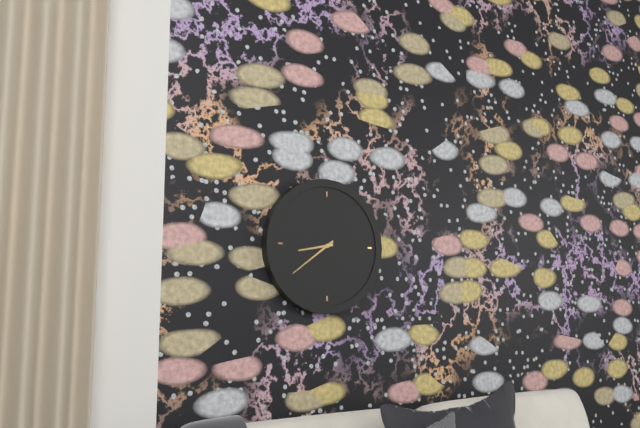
8:39
